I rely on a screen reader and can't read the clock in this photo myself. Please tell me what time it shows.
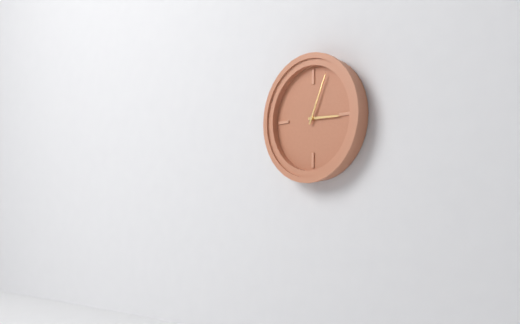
3:04
